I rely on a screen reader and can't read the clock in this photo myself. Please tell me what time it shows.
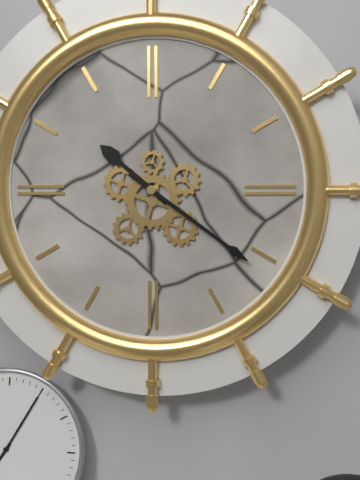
10:21
